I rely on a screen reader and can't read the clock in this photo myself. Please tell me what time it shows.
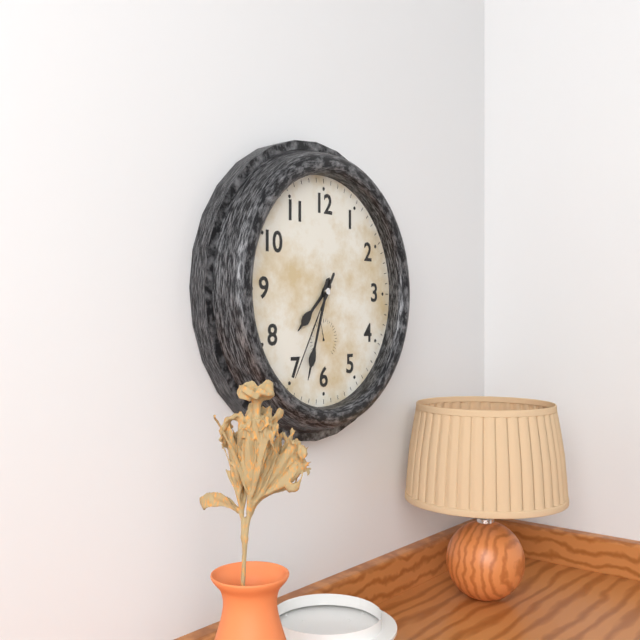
7:33:35
